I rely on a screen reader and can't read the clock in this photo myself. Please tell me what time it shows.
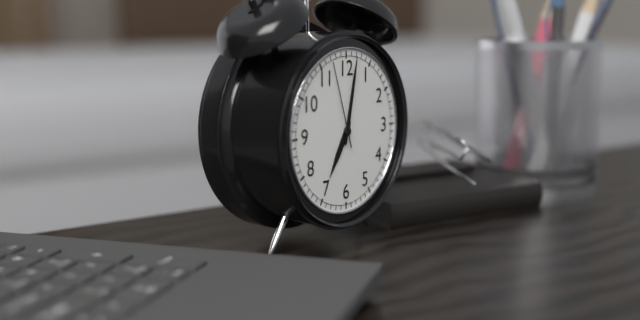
7:02:57
